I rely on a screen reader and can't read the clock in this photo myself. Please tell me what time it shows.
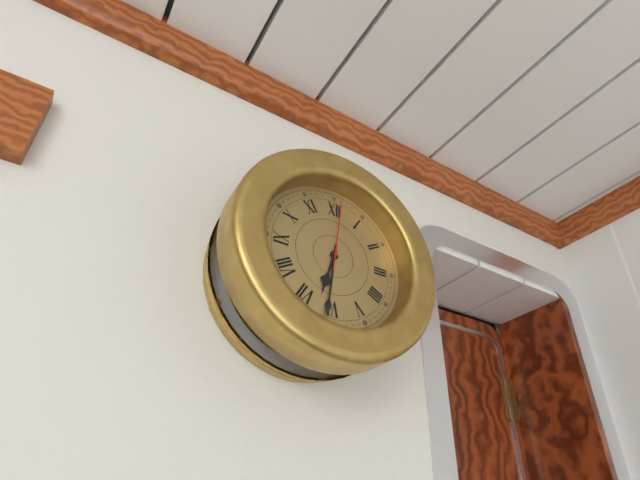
6:31:01
